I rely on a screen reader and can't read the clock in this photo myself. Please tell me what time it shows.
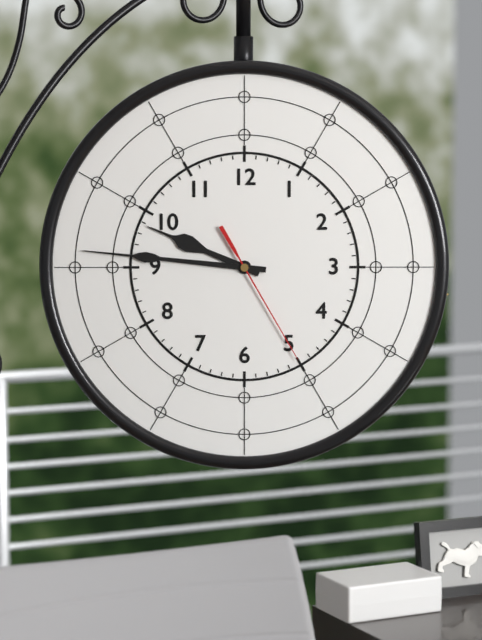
9:46:25
